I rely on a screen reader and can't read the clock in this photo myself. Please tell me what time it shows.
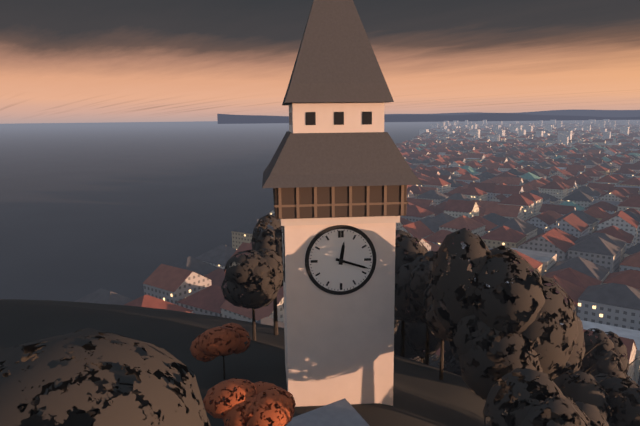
12:18
